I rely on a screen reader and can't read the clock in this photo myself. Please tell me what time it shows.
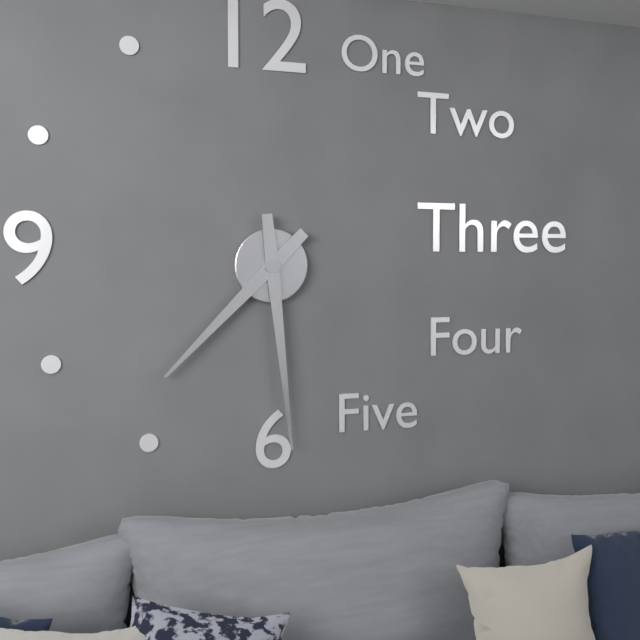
7:29
